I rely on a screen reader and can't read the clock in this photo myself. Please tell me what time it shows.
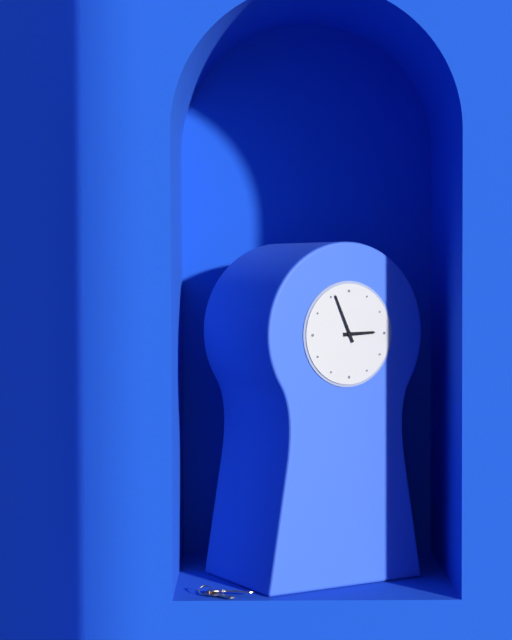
2:56
